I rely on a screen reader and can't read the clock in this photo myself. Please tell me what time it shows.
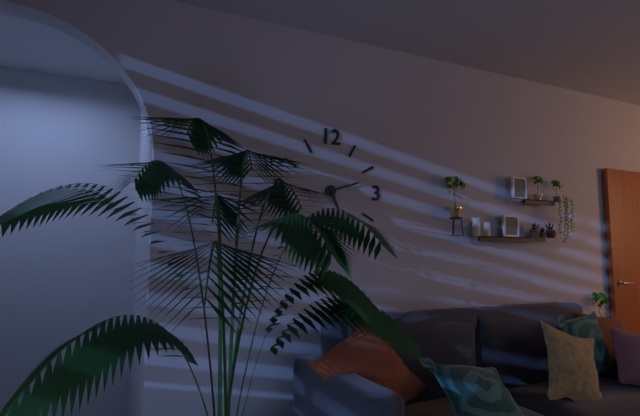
5:12
